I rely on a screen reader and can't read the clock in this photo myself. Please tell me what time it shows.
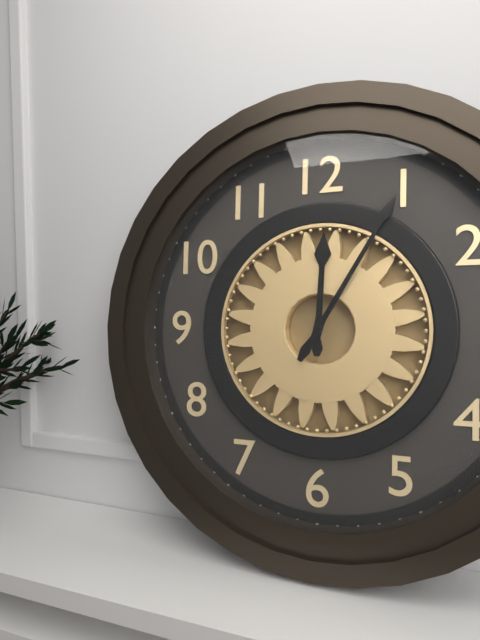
12:05
